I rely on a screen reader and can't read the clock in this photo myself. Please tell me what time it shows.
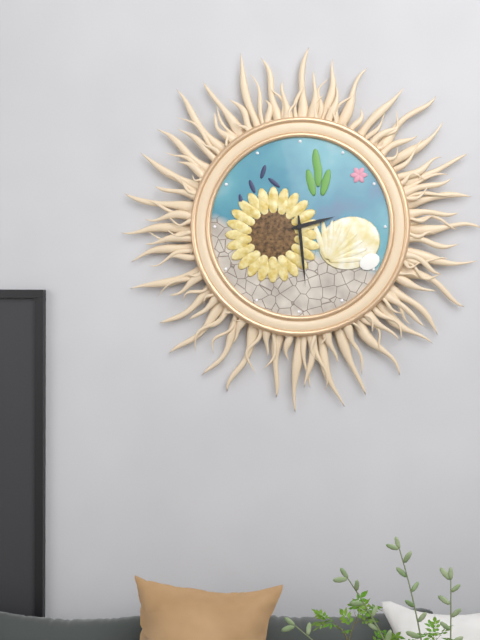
2:29
